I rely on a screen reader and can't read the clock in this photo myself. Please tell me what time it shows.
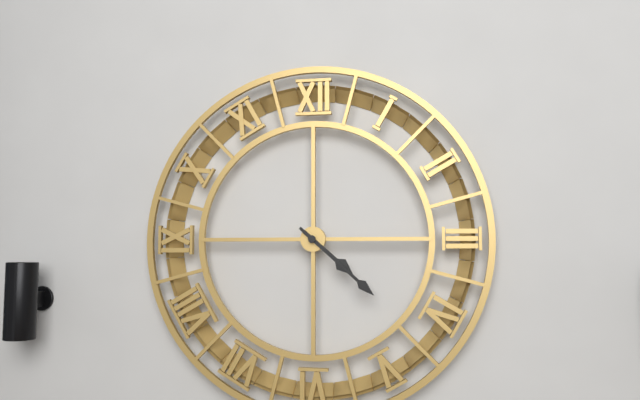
4:22
